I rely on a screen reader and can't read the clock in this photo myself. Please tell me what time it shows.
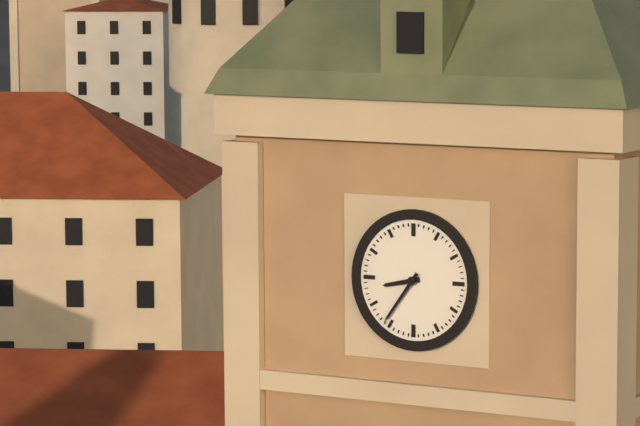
8:36
